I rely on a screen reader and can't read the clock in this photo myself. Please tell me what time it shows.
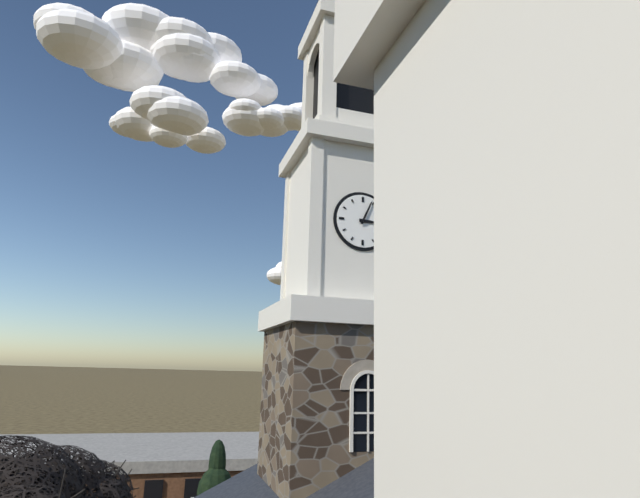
3:04
